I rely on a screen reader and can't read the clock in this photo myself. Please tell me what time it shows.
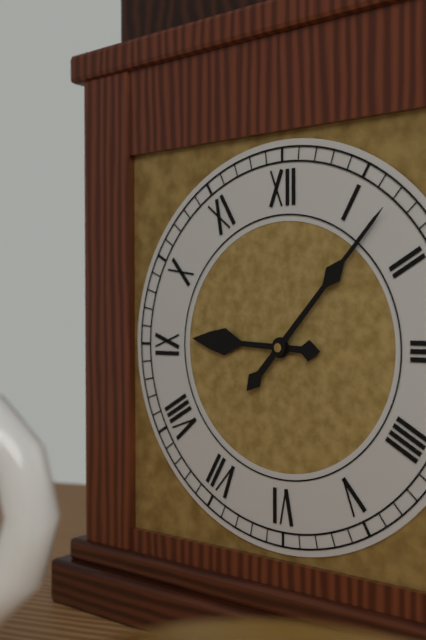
9:07
